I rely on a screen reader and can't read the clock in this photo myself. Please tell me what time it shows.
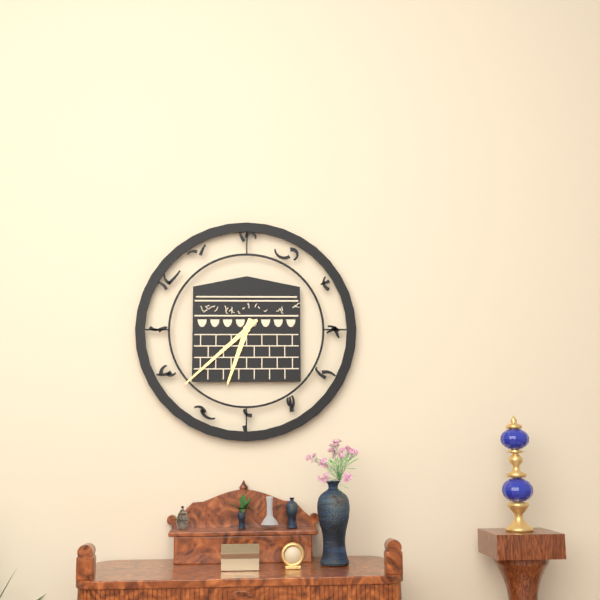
6:38
